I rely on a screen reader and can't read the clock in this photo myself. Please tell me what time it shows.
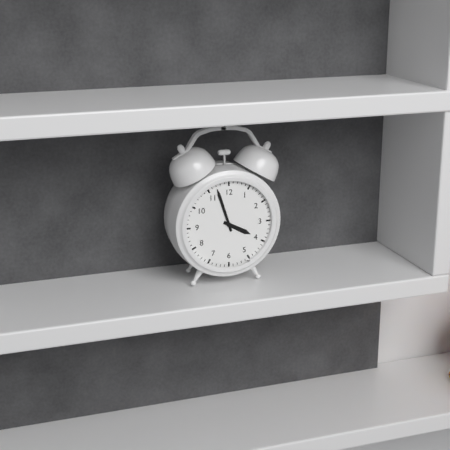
3:57
